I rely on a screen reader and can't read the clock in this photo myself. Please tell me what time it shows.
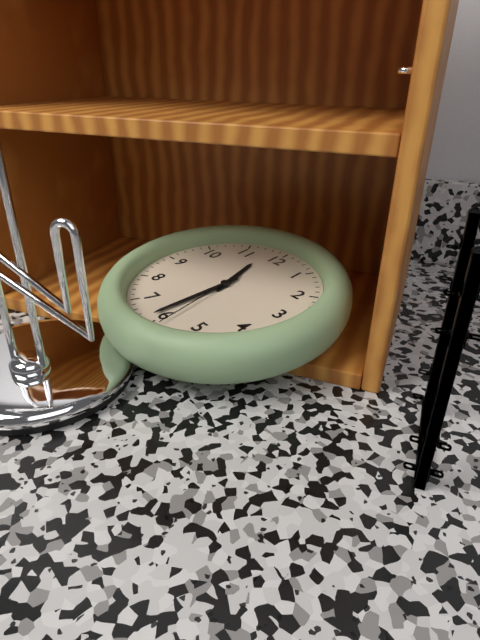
11:31:29
